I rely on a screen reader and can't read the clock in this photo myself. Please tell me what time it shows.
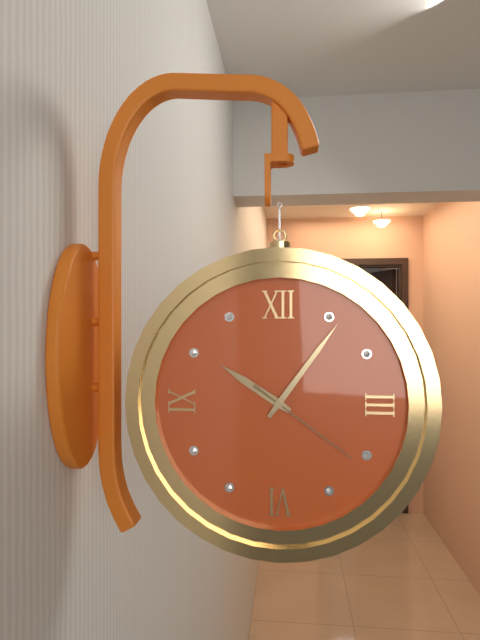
10:06:21
